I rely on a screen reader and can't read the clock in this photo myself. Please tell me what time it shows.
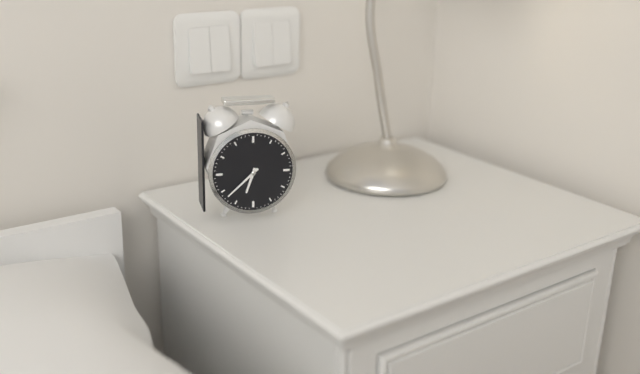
6:38
